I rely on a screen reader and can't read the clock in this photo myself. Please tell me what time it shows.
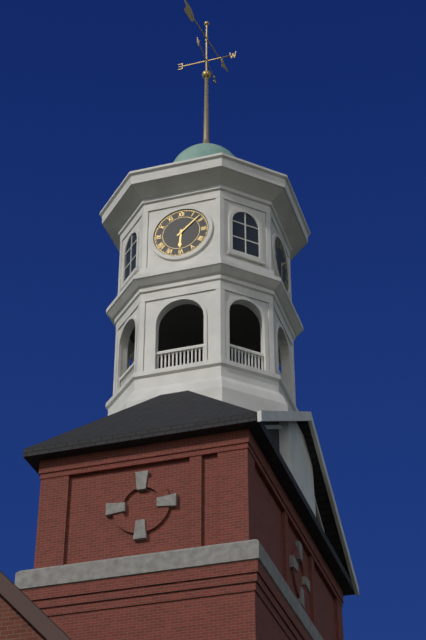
6:08
